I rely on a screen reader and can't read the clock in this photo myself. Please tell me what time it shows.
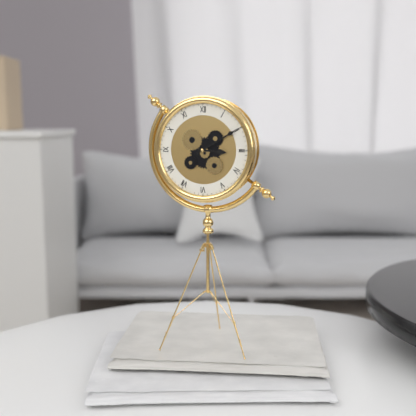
3:10
